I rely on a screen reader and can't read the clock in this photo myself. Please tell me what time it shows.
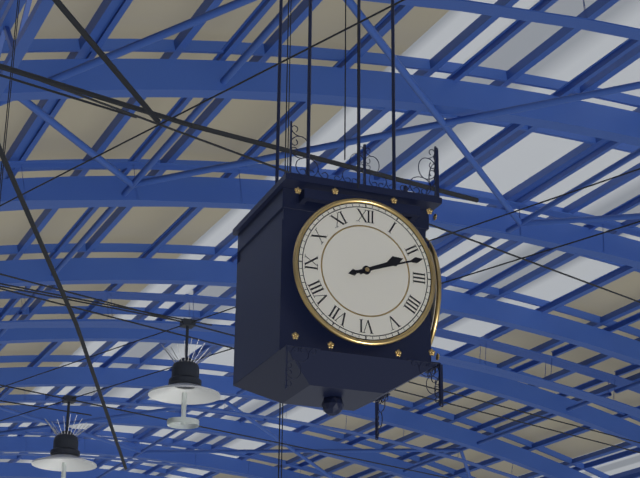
2:12
